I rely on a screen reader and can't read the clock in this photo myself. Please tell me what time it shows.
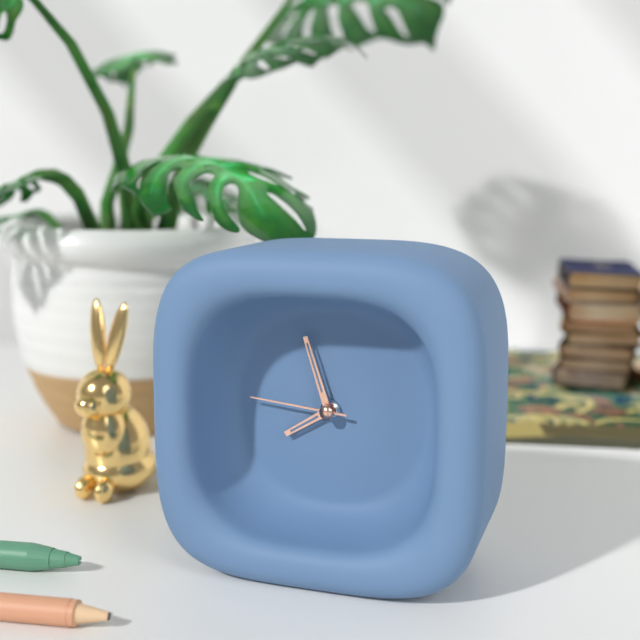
7:57:46
